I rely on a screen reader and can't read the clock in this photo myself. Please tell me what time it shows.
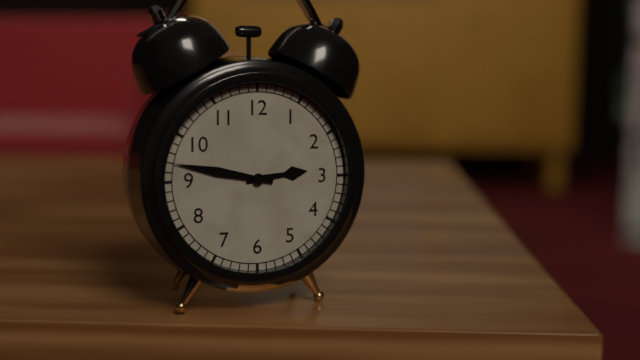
2:47
